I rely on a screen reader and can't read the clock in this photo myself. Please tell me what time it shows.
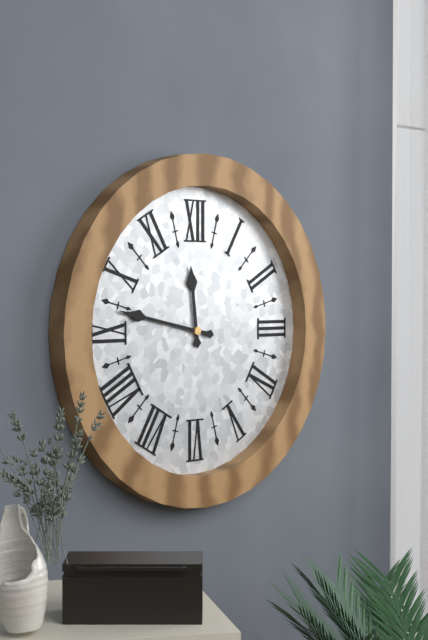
11:47
